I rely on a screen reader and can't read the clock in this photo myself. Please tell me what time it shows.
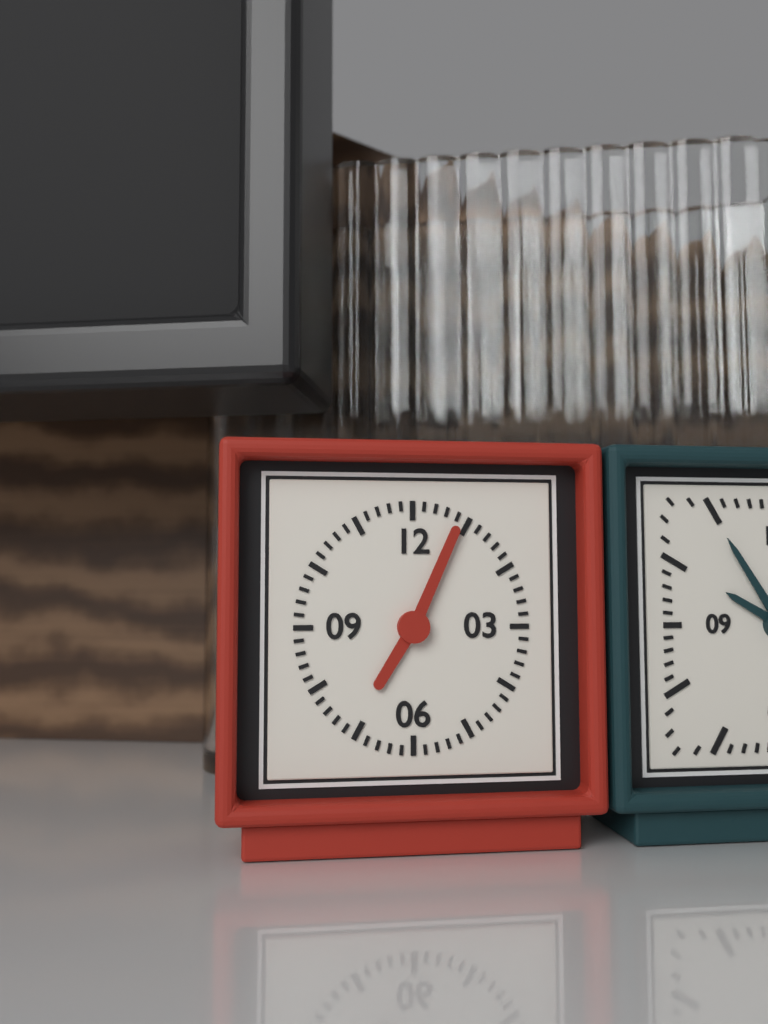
7:04
